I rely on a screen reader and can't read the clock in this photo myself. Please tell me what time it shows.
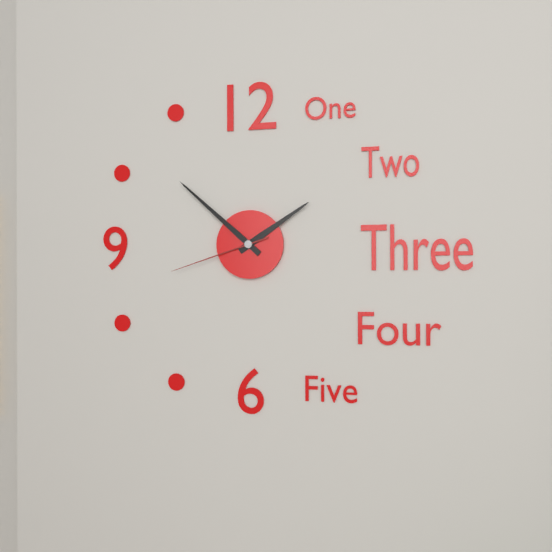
1:52:42
